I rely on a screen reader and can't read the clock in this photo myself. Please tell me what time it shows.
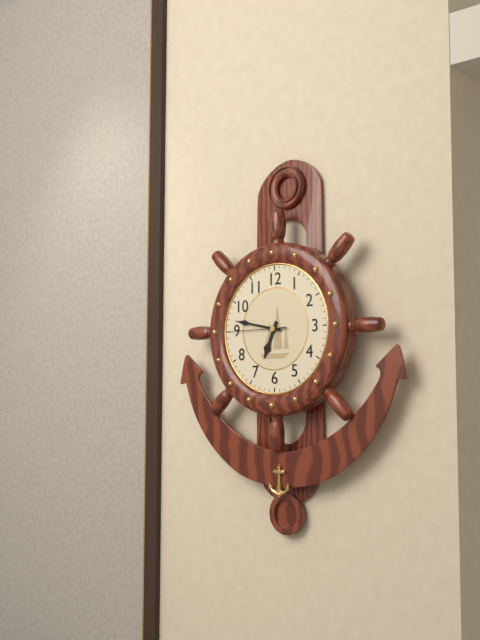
6:47:45
